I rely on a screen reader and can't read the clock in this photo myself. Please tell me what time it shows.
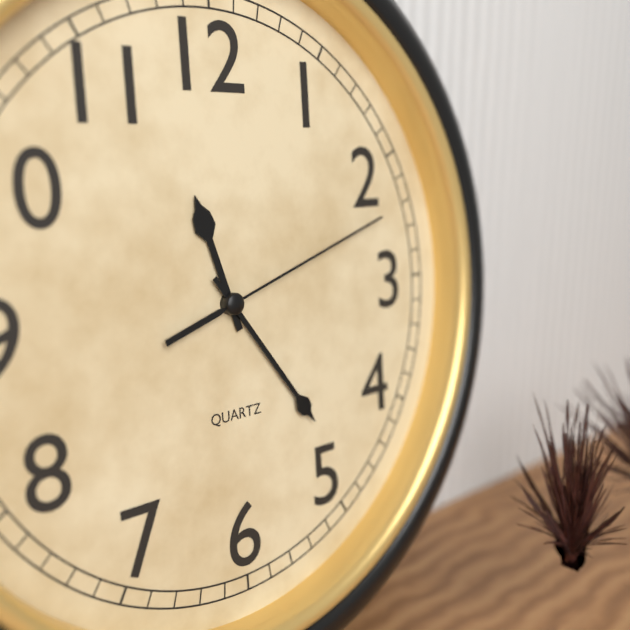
11:24:12
